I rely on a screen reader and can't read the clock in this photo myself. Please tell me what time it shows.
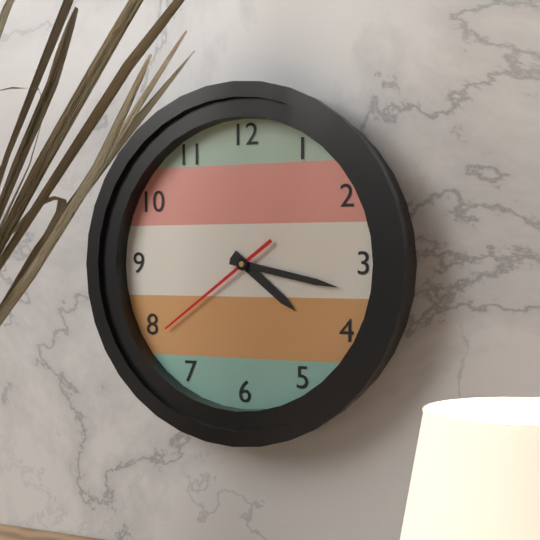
4:17:39
